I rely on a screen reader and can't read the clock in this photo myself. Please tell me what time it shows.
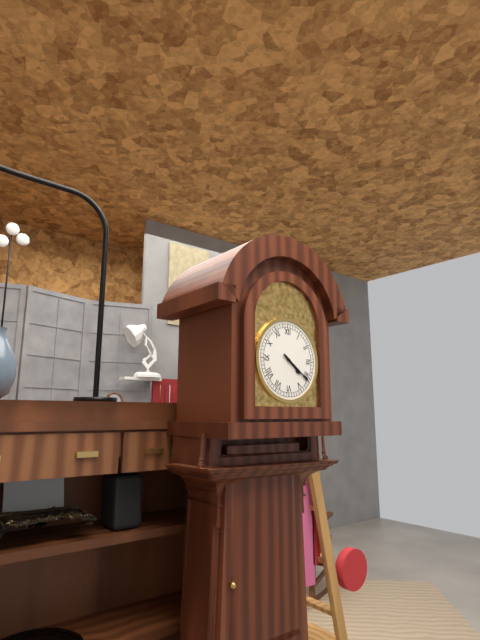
4:21
